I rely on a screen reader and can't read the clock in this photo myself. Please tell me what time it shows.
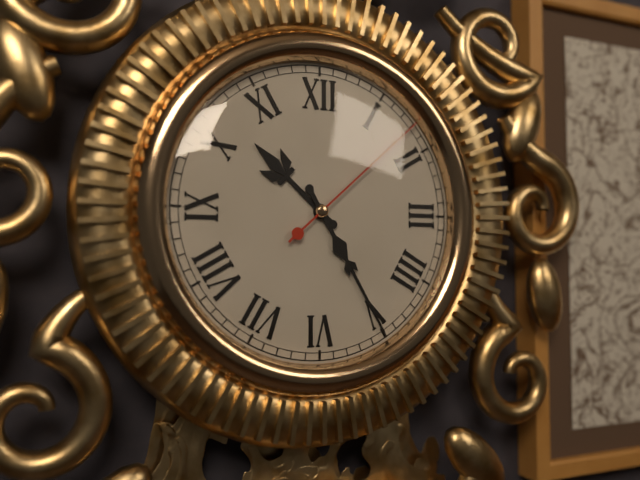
10:25:08
